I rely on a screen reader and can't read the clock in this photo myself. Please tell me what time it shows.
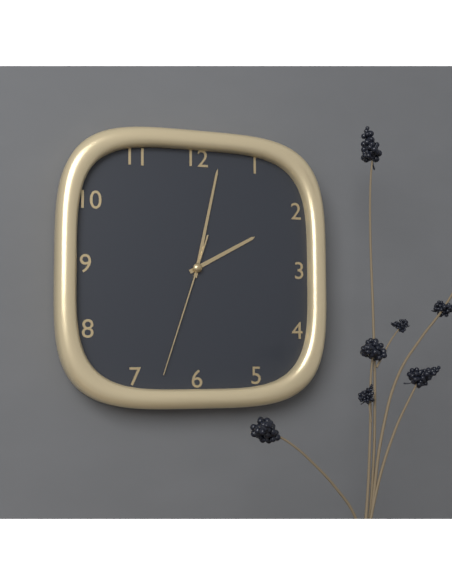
2:02:33
